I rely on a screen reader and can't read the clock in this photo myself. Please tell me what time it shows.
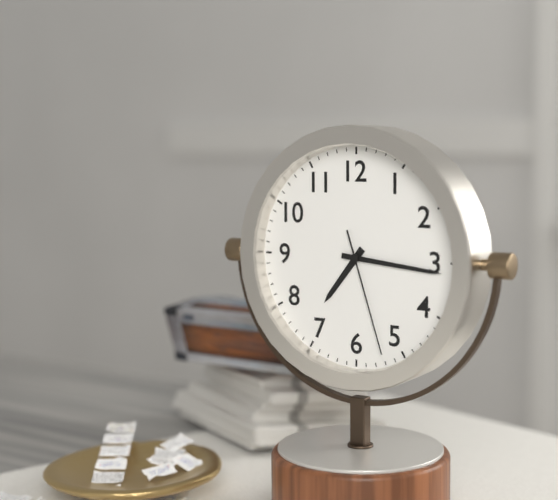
7:16:27
